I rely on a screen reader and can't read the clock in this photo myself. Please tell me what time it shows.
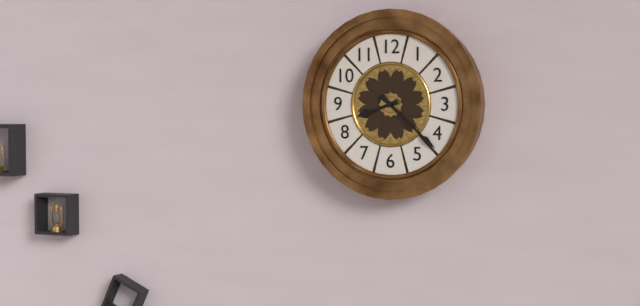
8:22
